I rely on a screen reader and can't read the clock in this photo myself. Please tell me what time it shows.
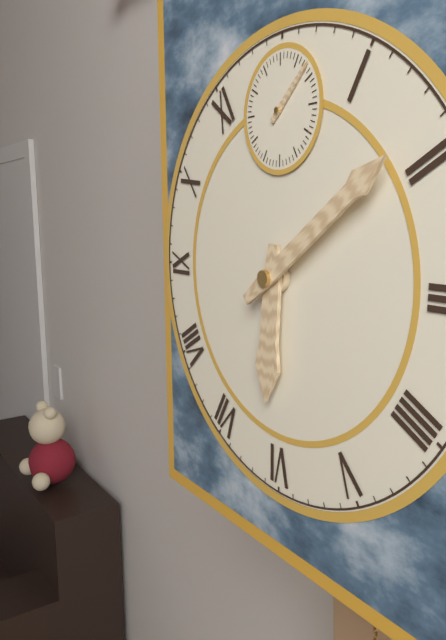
6:09:08
